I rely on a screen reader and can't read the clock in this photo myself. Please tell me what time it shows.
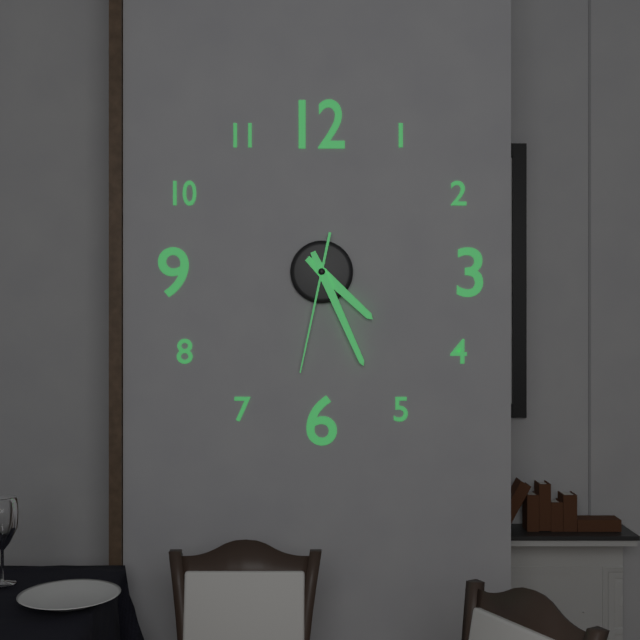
4:26:32
